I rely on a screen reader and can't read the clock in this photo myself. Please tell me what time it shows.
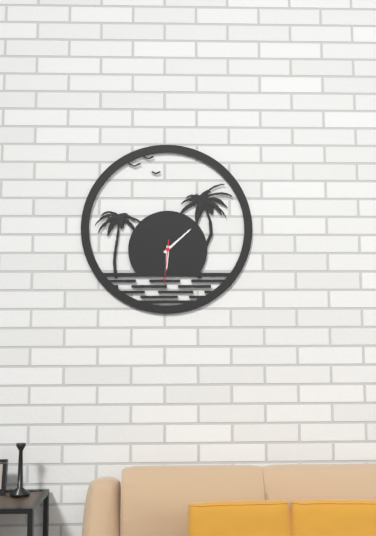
6:08
